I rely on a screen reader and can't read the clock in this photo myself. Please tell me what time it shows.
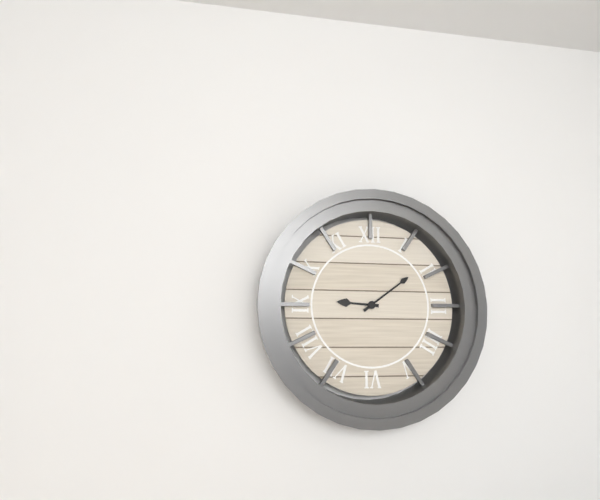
9:09
